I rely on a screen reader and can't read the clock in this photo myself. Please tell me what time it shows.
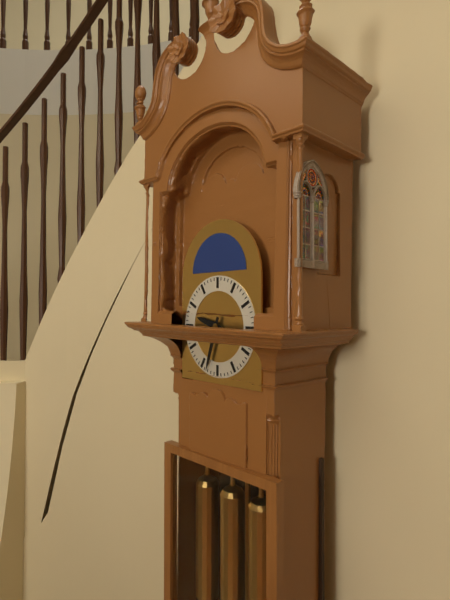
9:33
